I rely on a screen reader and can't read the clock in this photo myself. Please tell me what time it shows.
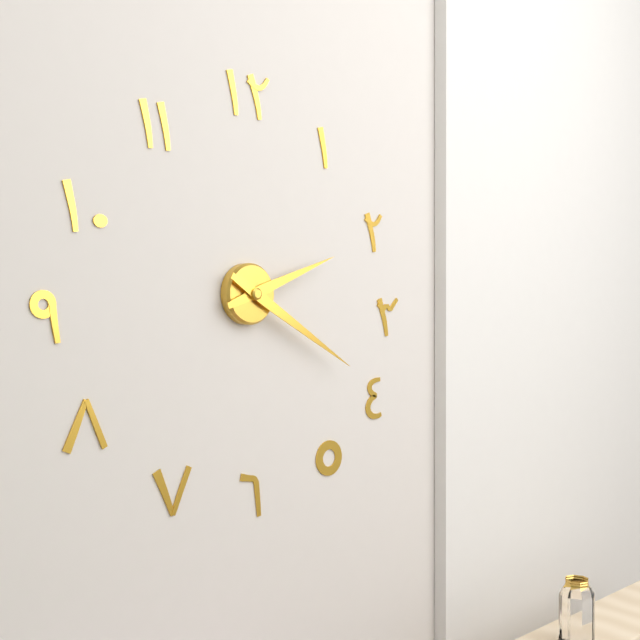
2:20
